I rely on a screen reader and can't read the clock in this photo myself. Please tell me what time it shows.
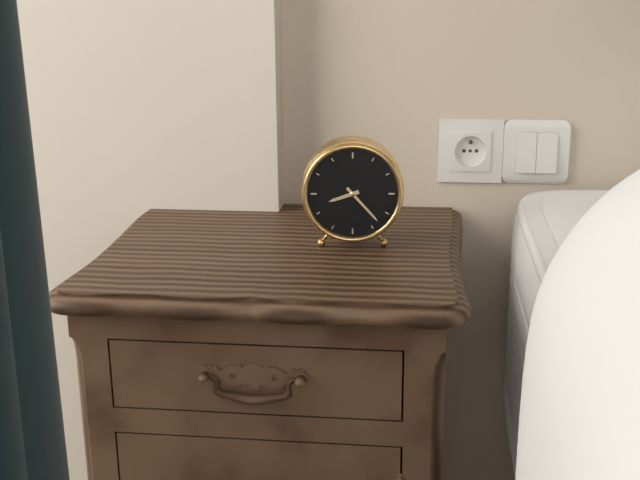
8:23
